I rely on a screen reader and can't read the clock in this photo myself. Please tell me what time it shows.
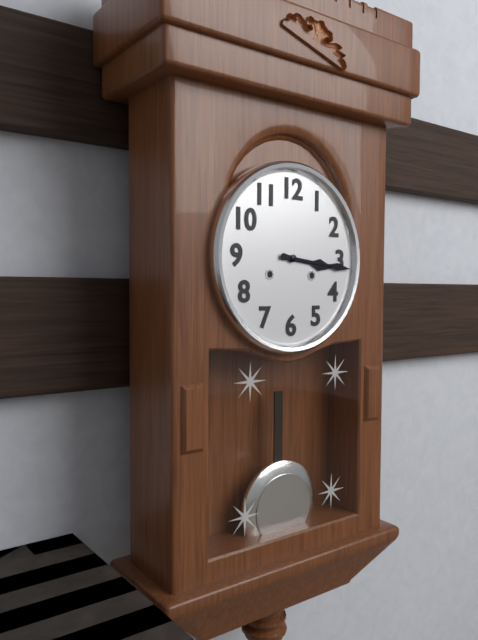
3:16
